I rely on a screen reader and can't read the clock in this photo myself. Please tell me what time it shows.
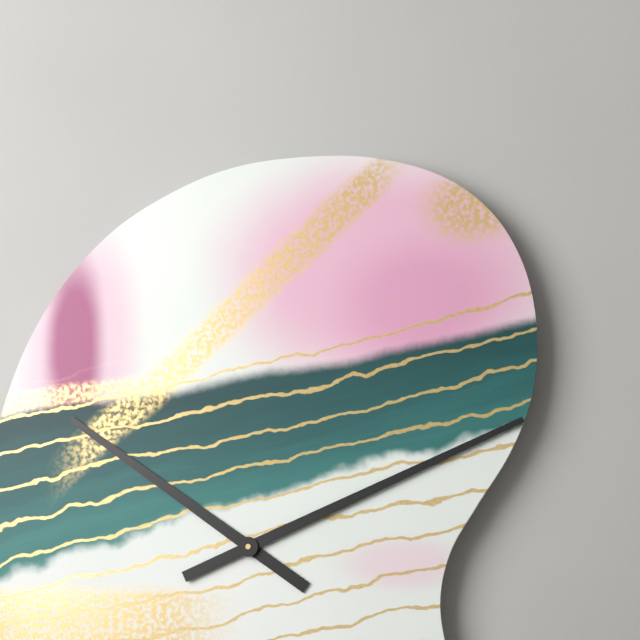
10:11
